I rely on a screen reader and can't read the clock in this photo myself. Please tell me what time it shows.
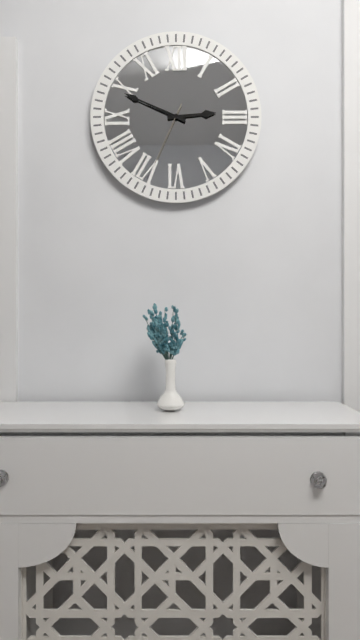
2:49:34
